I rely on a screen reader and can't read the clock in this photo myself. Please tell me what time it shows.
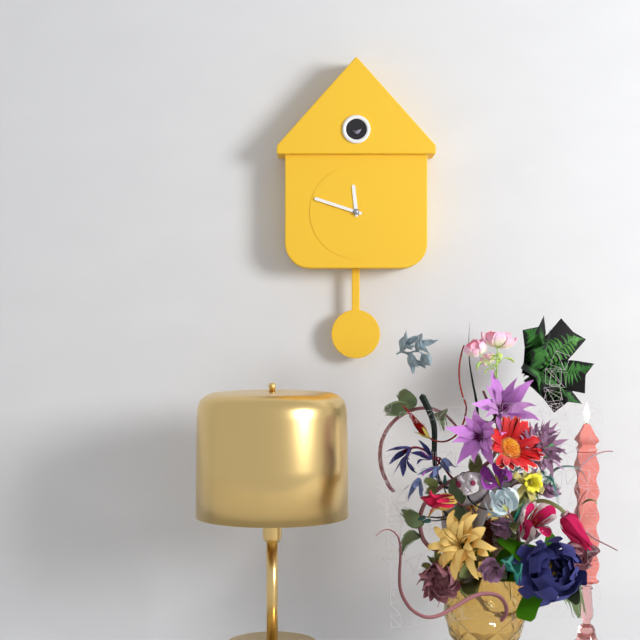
11:48
